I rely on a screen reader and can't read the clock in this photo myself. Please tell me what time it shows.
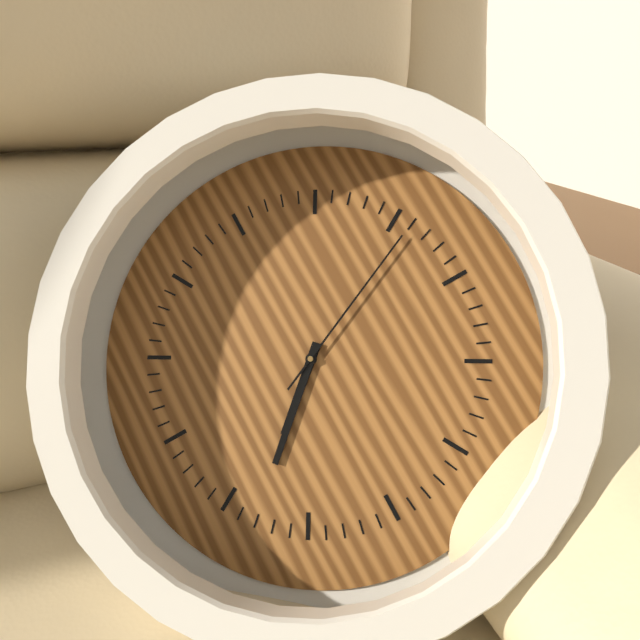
7:38:11
